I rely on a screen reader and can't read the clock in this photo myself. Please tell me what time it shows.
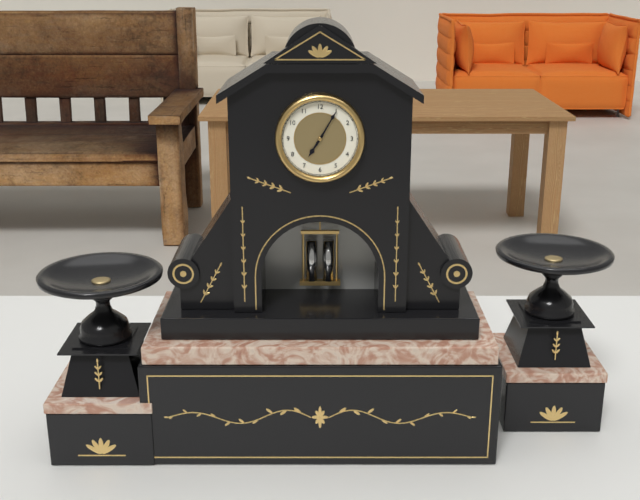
7:05
